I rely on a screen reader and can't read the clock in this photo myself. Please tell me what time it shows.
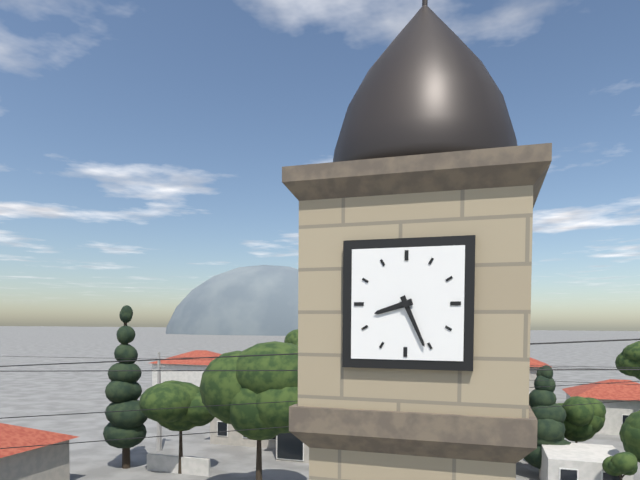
8:26
